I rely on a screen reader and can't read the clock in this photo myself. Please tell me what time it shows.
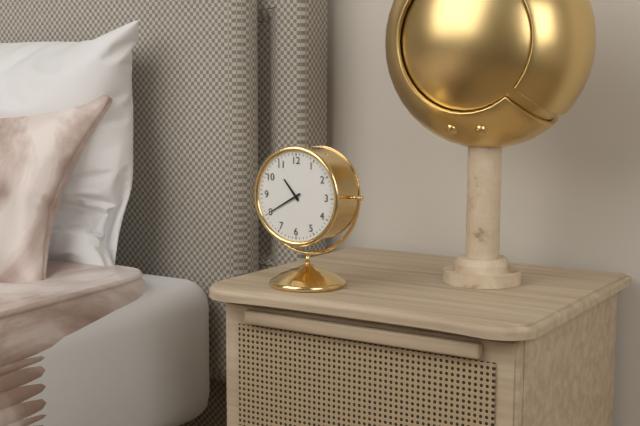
10:40
